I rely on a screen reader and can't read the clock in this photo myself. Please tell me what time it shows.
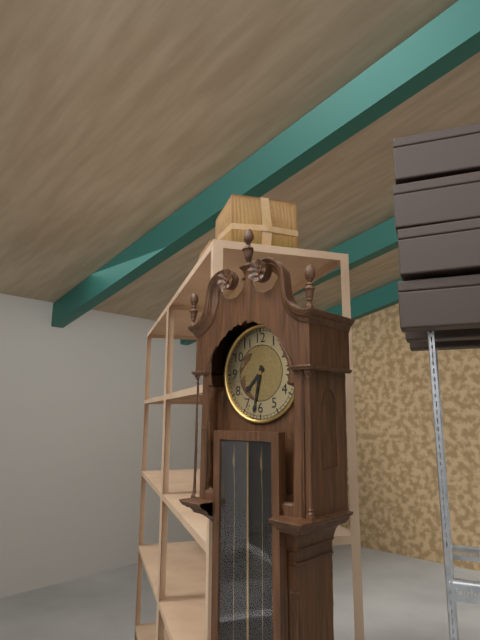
7:32
